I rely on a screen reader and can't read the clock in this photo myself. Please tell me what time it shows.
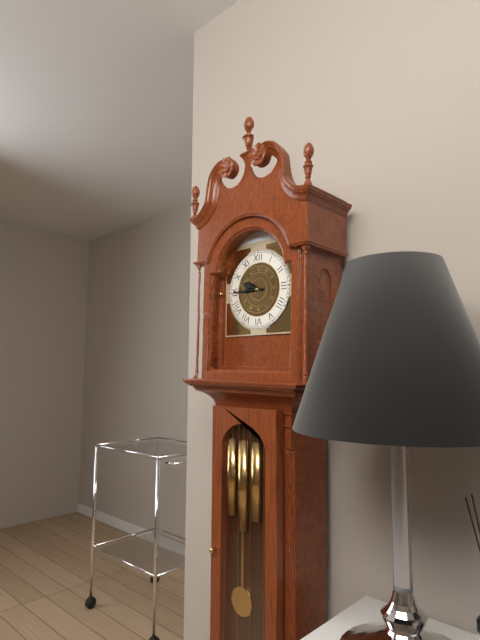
9:45
